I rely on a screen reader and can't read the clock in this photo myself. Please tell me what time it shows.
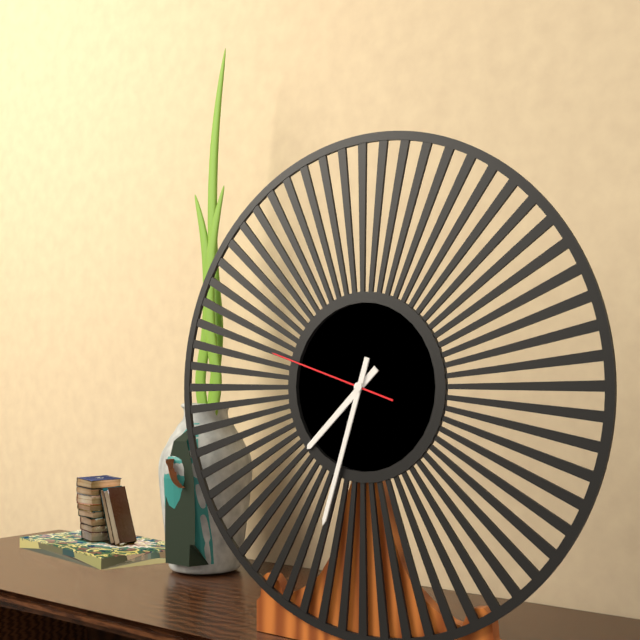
7:33:48
